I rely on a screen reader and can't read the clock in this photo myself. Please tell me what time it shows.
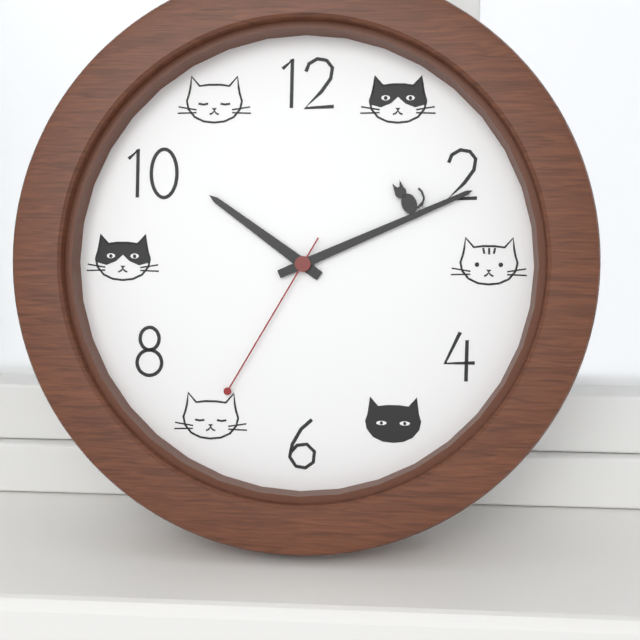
10:11:35
